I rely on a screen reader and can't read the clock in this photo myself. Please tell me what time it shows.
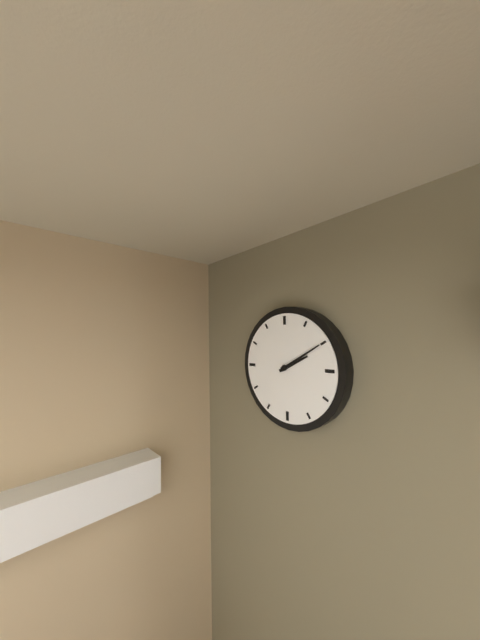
2:10
